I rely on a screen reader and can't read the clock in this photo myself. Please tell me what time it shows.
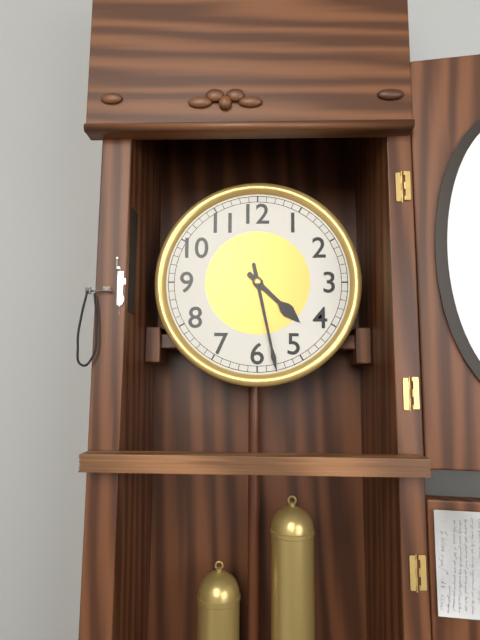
4:28
